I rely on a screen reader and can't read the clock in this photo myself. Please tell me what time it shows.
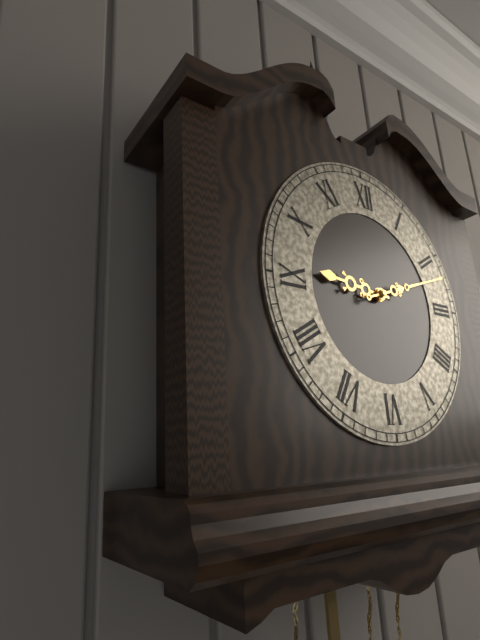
9:12
